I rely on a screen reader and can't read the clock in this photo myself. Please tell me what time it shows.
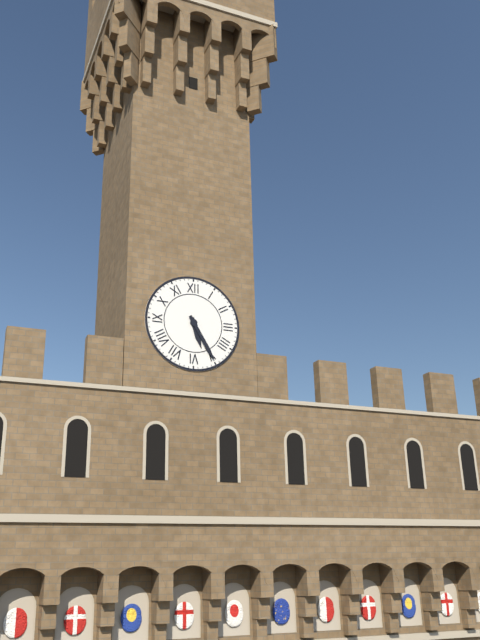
5:25
